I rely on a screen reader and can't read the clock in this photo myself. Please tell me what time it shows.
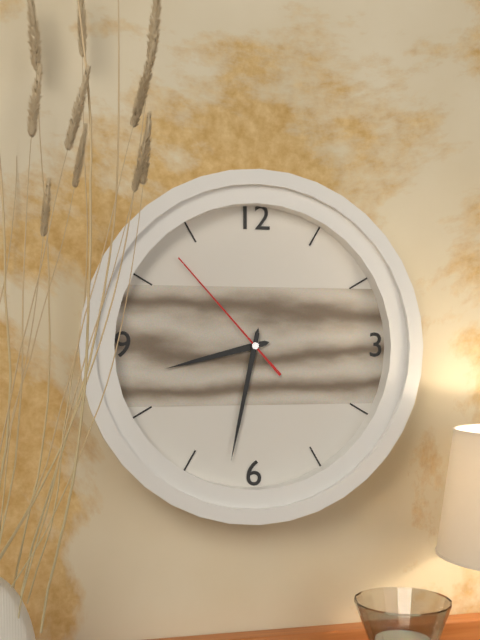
8:32:53
